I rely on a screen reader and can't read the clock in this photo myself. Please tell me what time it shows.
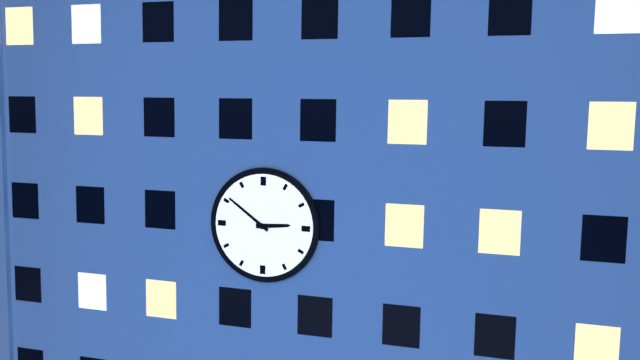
2:51
